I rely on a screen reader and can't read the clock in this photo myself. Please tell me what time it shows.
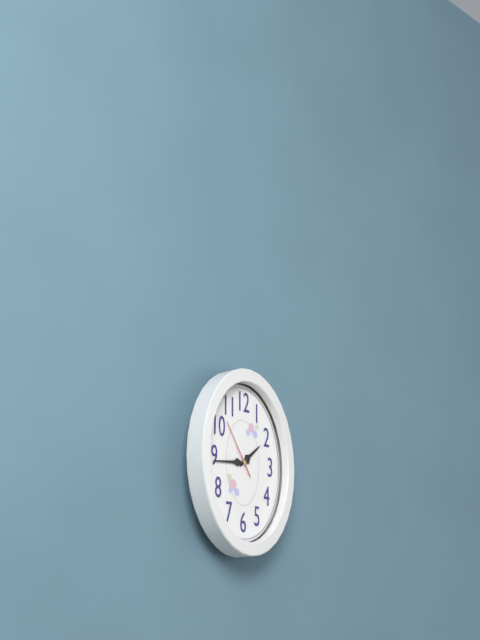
1:44:54
